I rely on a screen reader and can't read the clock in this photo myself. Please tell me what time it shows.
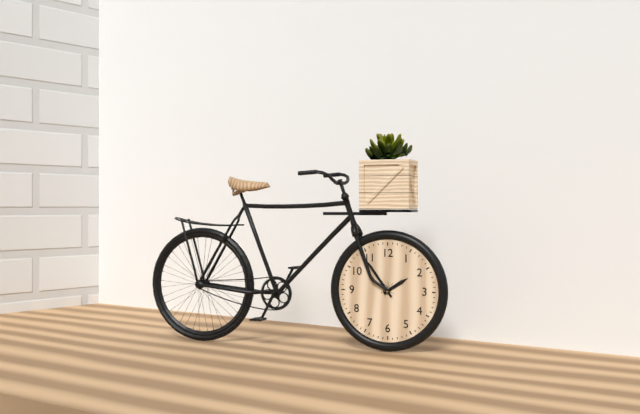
1:54
